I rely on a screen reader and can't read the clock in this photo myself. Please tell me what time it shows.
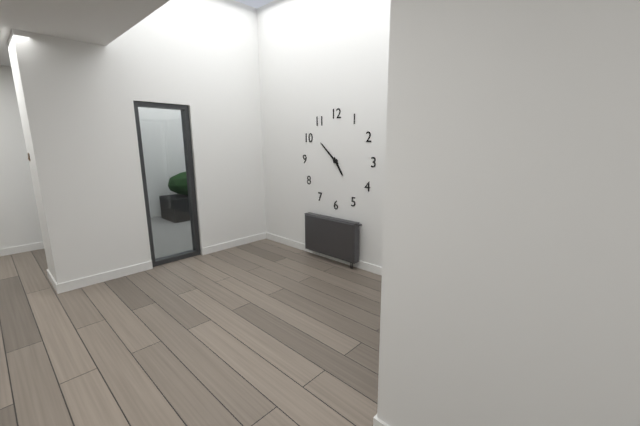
4:52
